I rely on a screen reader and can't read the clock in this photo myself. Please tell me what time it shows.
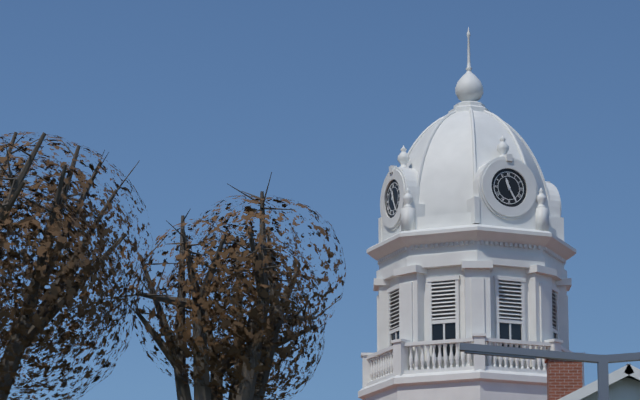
11:25
